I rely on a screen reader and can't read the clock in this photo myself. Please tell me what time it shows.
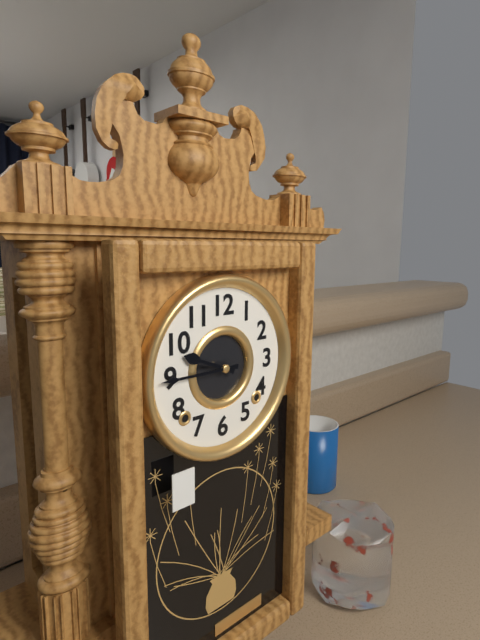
9:45
